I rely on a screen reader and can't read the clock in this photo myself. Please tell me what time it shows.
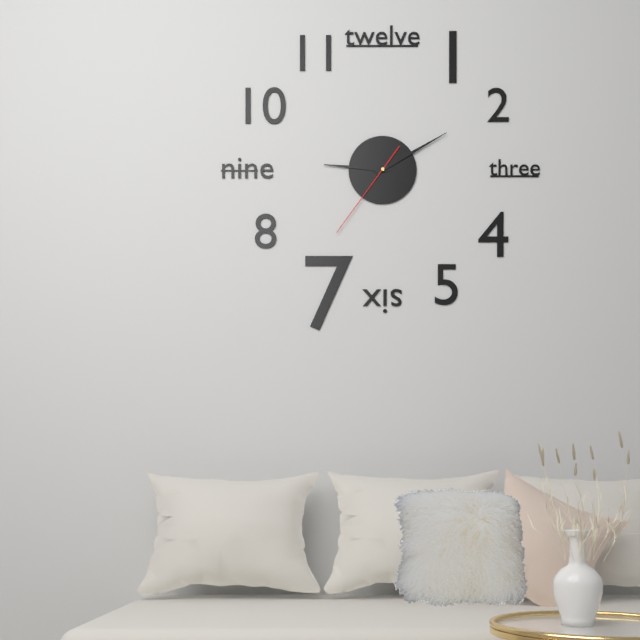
9:10:36
